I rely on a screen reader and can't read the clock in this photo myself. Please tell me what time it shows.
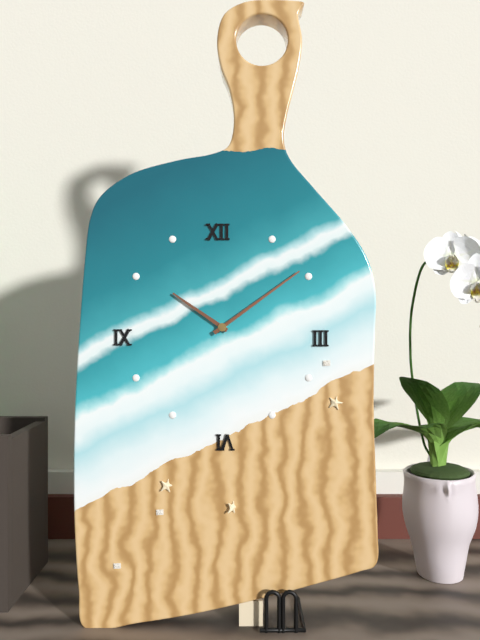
10:09
